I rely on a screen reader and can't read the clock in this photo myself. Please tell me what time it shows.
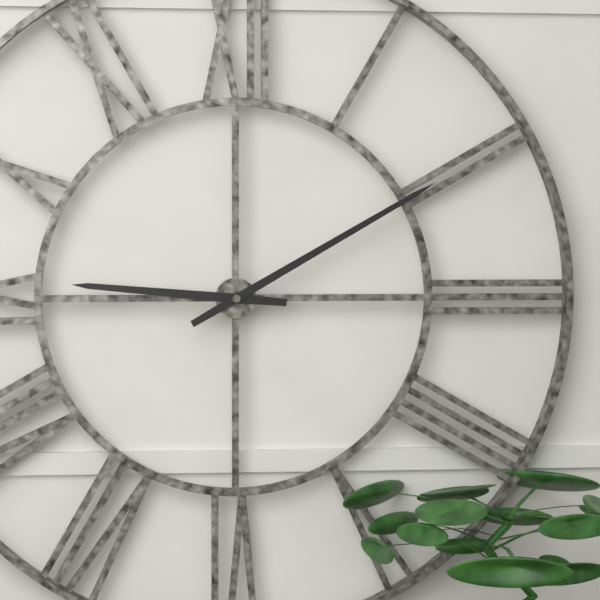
9:10
